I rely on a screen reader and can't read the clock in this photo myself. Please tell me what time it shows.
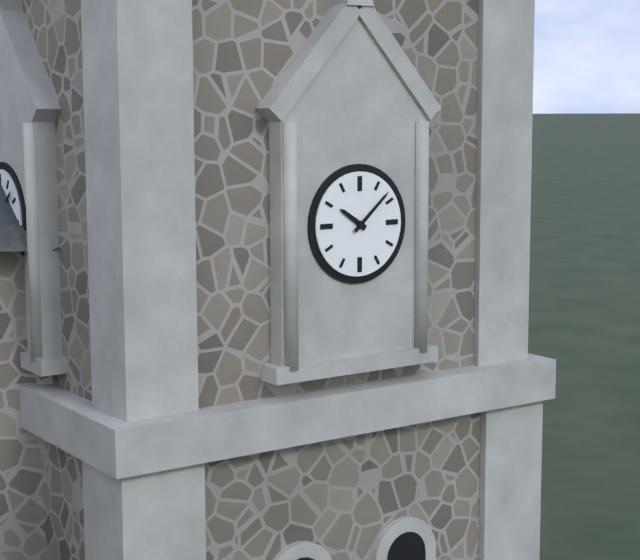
10:08
